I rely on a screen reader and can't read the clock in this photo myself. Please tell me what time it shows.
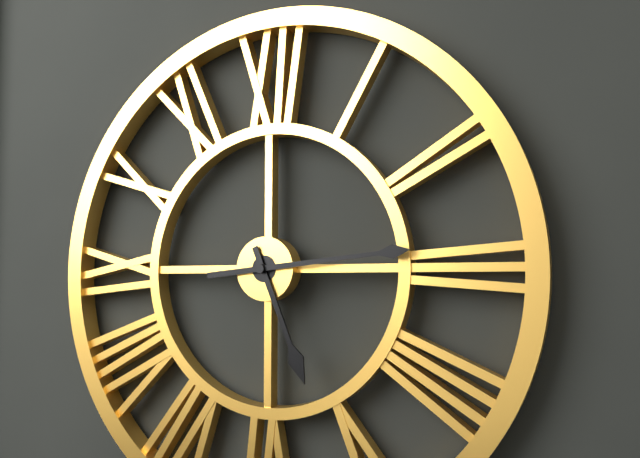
5:14
